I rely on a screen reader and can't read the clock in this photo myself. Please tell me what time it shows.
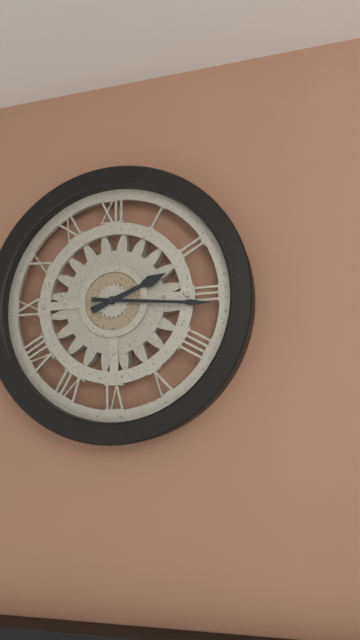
2:16
